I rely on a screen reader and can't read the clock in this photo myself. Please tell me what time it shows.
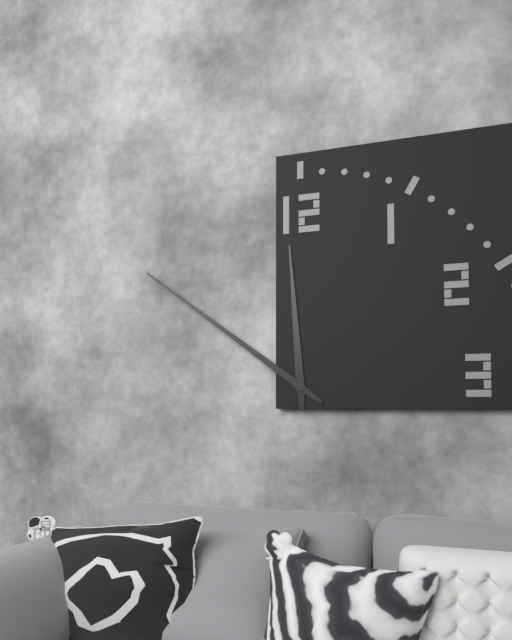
11:51
